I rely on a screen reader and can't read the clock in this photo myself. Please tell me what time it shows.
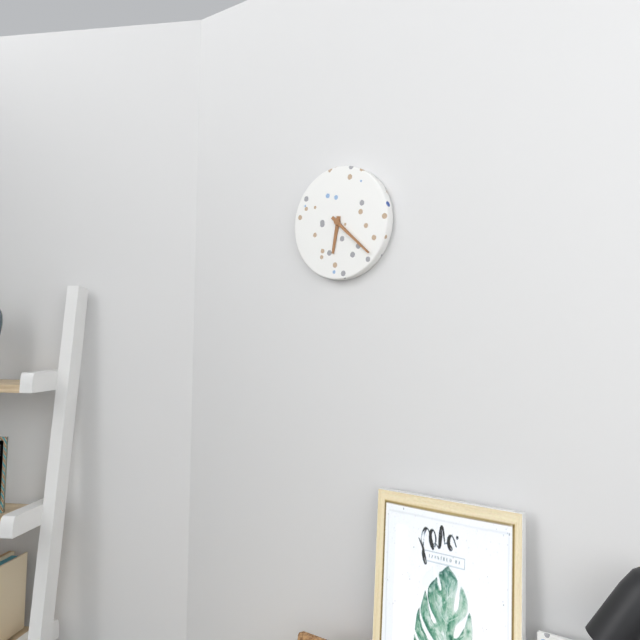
6:22
